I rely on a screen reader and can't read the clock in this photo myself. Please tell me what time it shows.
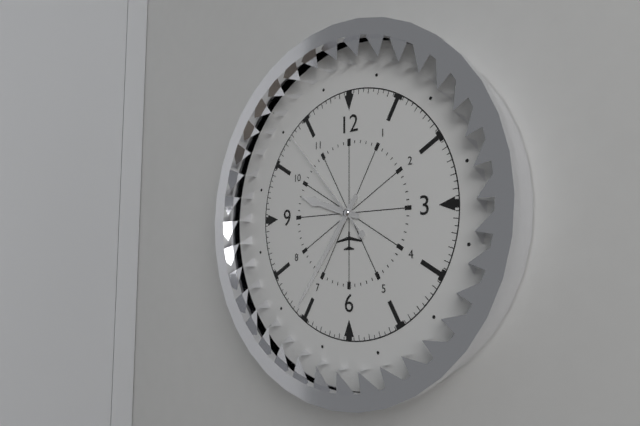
9:36:53
